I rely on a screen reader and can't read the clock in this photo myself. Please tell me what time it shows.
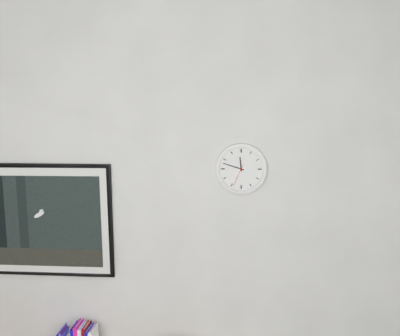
11:48
